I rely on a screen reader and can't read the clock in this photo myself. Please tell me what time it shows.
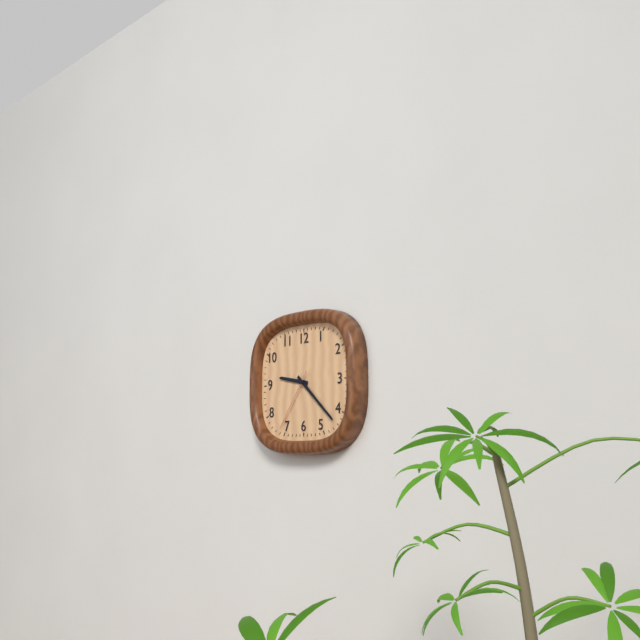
9:22:36
